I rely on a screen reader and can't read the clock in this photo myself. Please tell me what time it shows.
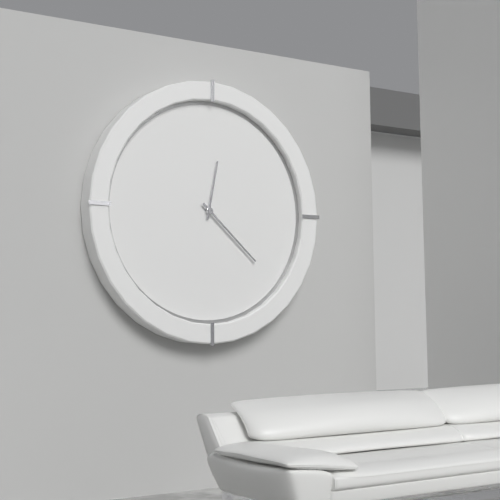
12:22
